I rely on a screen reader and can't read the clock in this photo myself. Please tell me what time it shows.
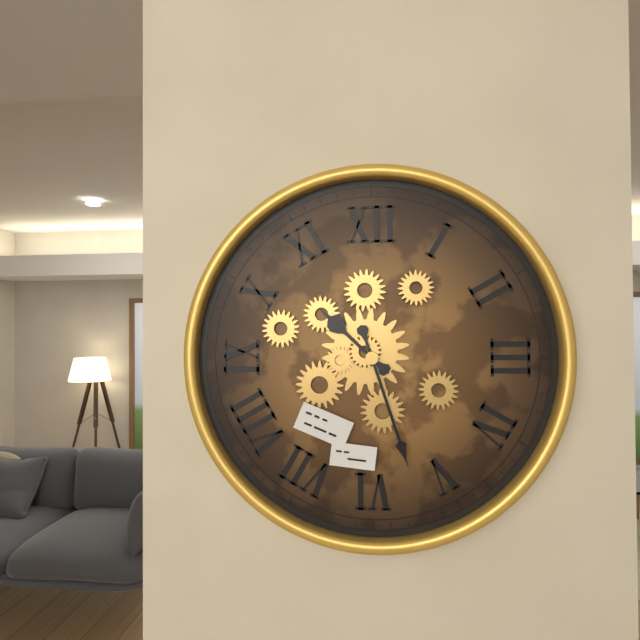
10:27
